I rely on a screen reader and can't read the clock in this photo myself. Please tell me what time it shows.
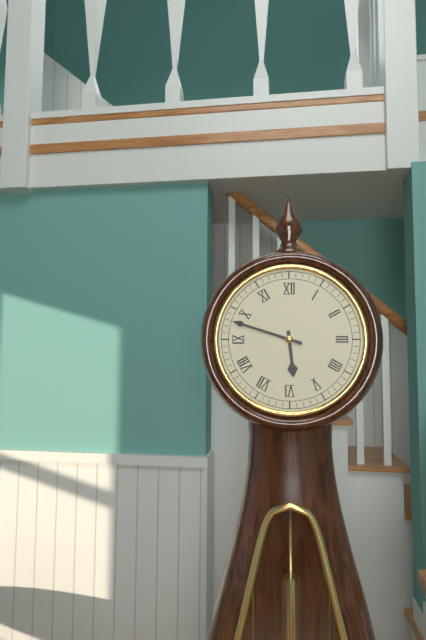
5:48
